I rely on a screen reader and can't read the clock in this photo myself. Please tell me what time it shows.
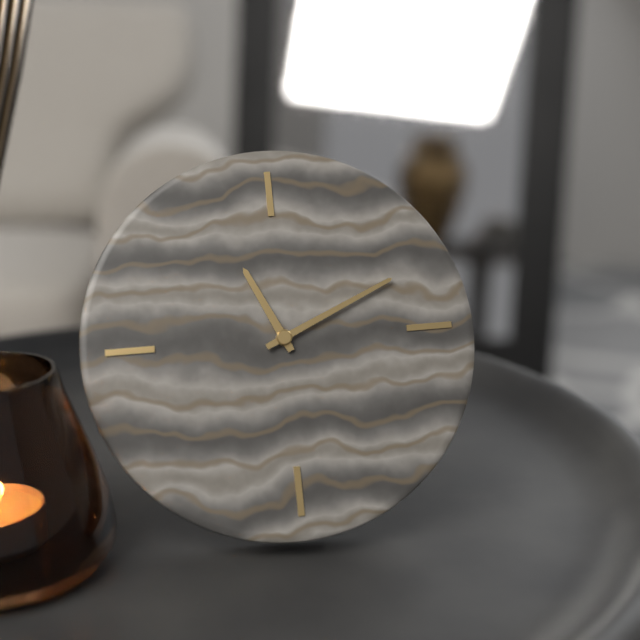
11:11
